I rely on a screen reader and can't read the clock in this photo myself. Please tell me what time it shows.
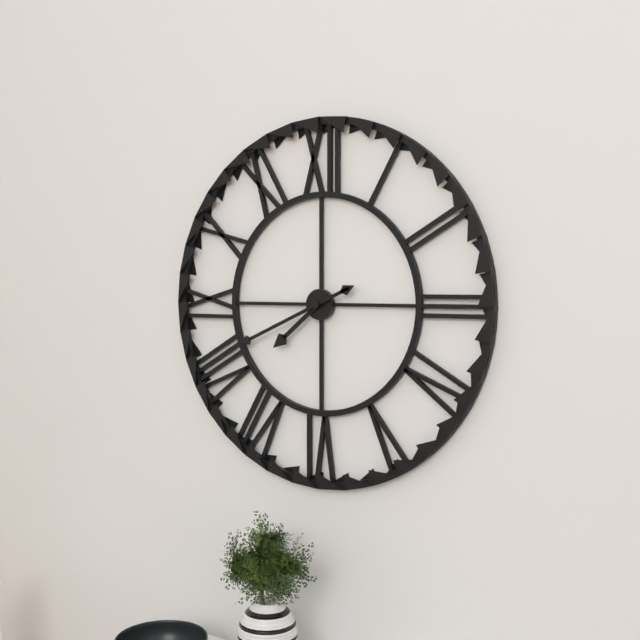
7:41
